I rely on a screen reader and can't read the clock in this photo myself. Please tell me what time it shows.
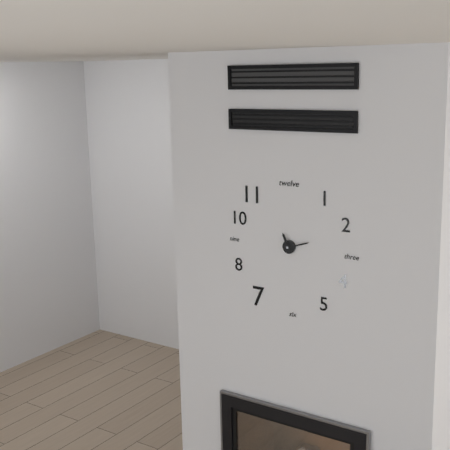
11:12
